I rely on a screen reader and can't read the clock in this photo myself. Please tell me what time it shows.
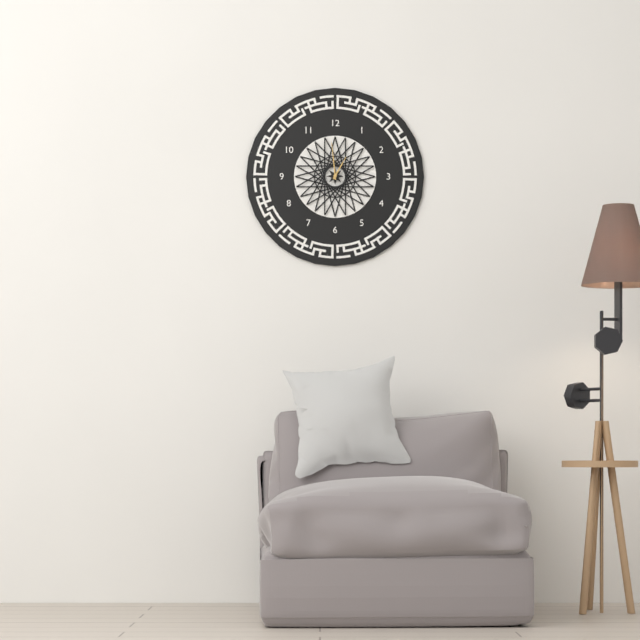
12:59
